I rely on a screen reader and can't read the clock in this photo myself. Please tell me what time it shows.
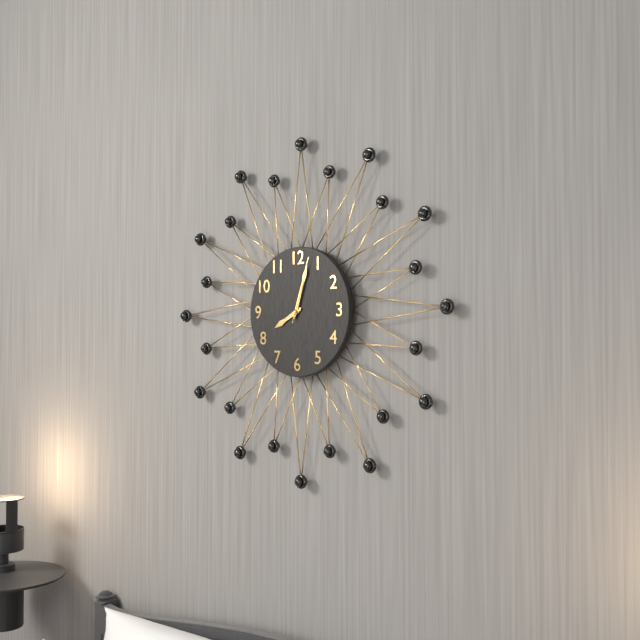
8:03:03
